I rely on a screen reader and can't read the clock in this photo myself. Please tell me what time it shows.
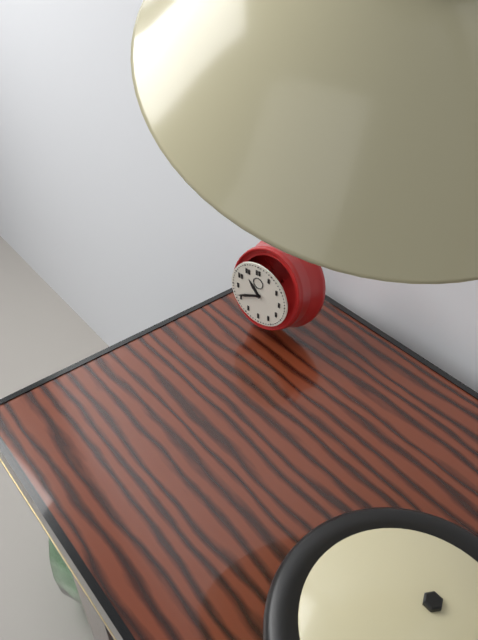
10:41
